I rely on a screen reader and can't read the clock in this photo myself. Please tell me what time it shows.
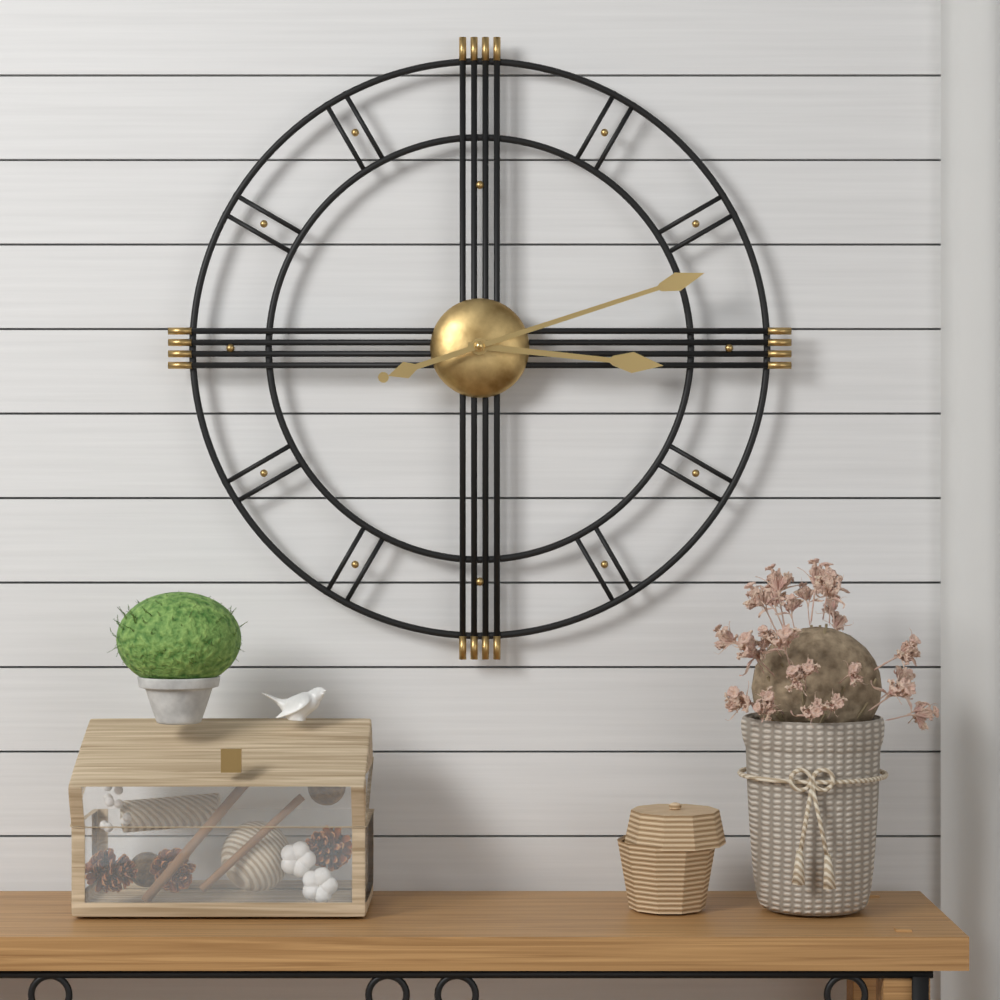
3:12
